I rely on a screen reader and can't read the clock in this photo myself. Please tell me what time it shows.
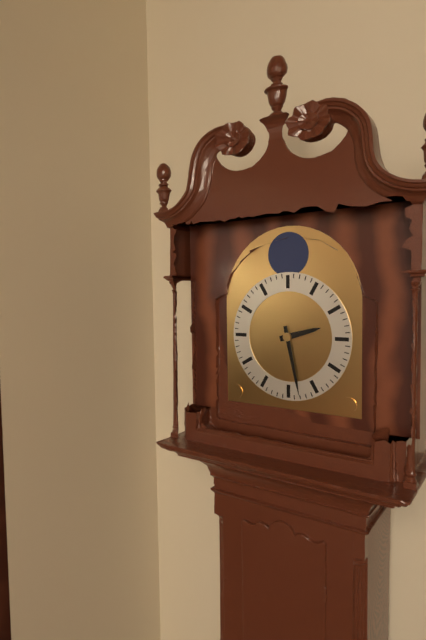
2:28
